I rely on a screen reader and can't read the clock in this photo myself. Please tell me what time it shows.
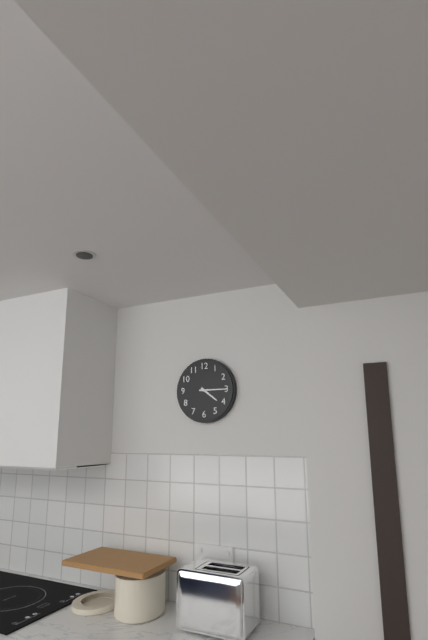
4:15
